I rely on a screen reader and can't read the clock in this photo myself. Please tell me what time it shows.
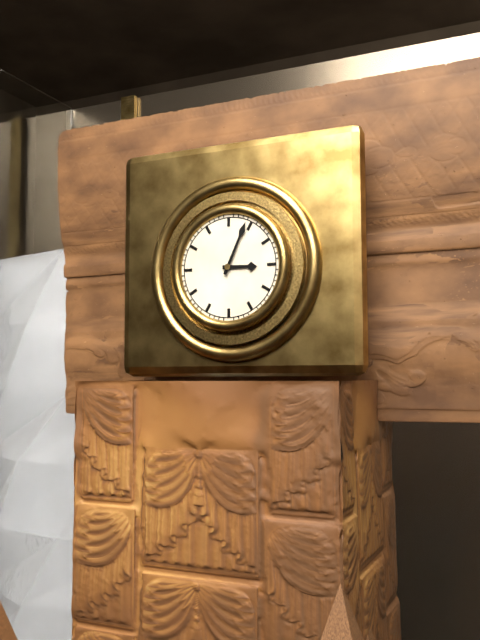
3:04
